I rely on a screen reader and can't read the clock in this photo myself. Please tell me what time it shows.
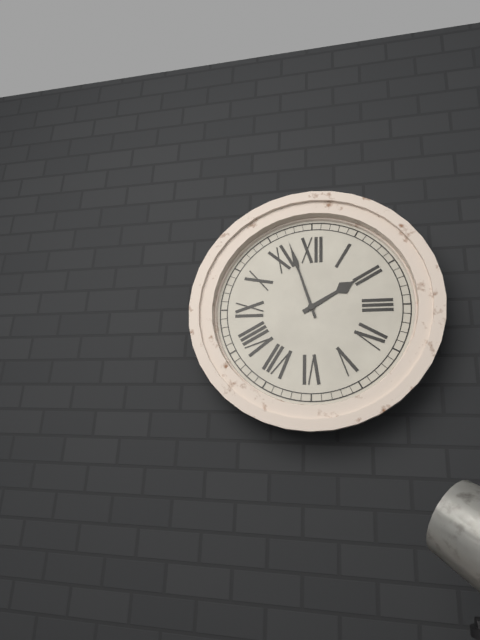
1:57
